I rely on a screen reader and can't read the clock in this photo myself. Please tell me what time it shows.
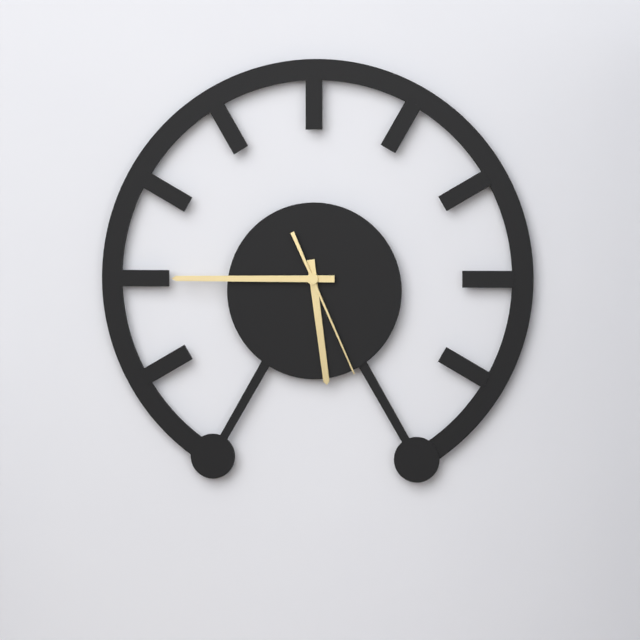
5:45:26
